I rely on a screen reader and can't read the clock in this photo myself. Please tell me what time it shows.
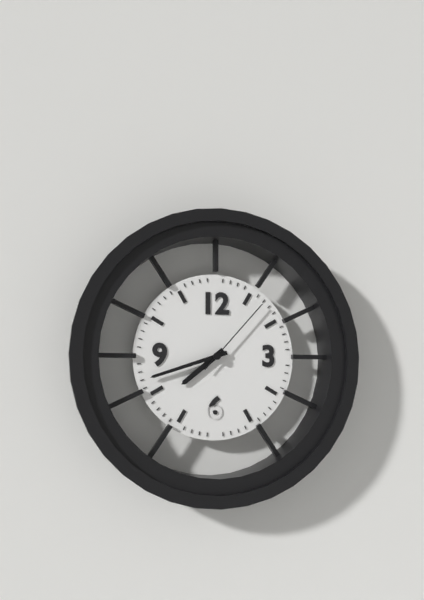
7:42:07
